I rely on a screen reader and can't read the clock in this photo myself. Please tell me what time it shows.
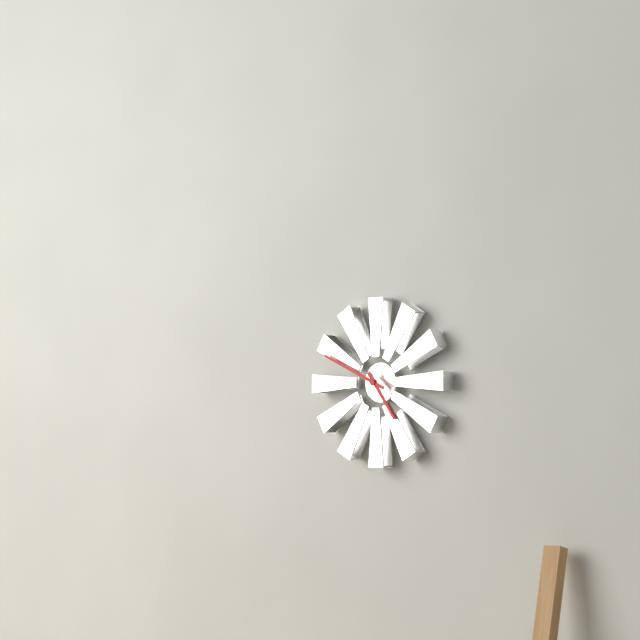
4:49
